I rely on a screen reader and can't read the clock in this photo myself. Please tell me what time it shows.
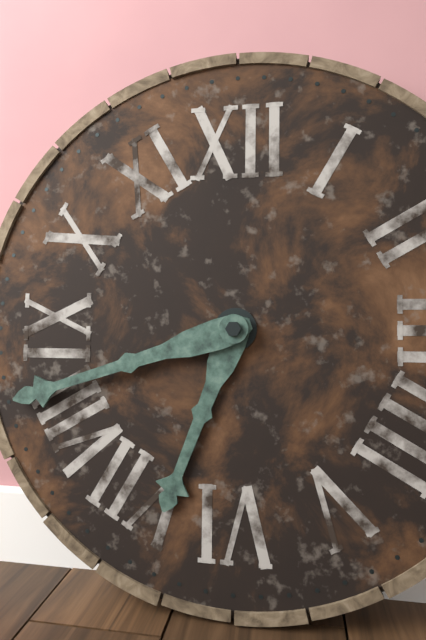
6:42
